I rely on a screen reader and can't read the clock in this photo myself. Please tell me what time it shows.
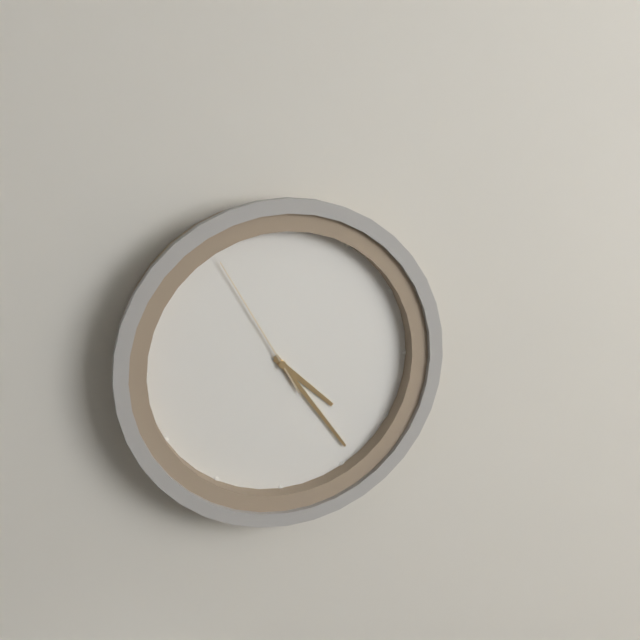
4:24:55
